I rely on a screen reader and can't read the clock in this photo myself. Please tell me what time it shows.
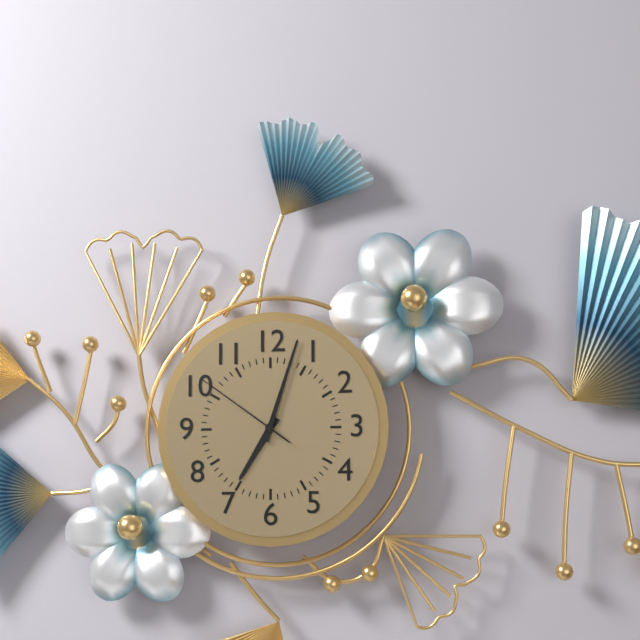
7:03:51
